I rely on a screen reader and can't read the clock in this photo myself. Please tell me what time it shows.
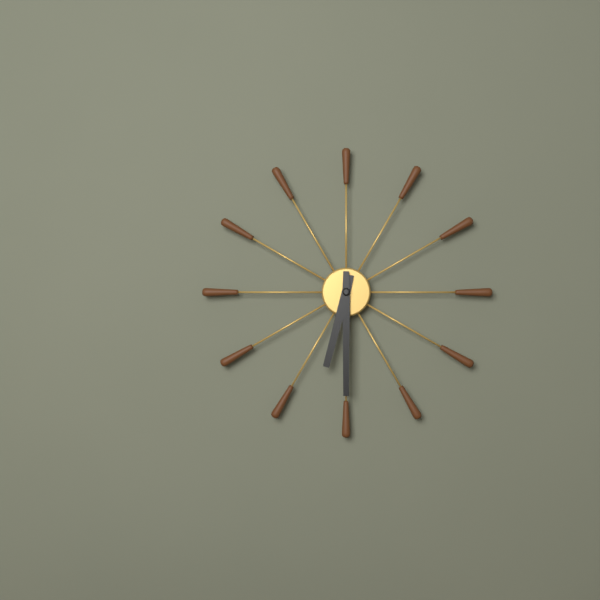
6:30
